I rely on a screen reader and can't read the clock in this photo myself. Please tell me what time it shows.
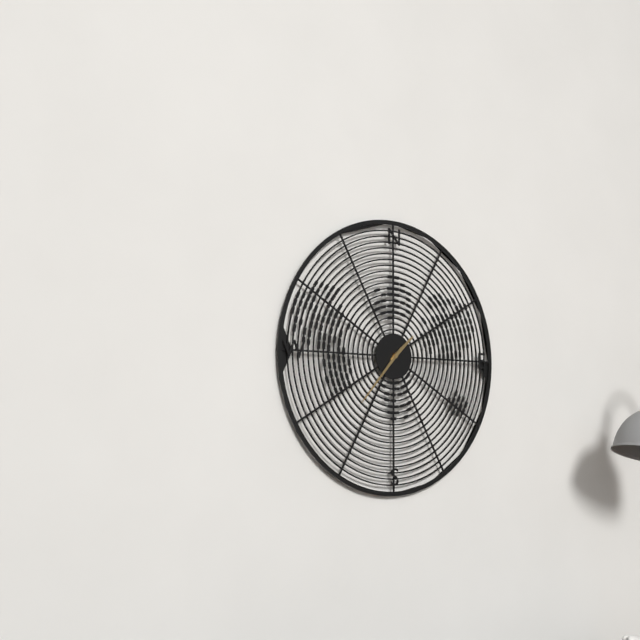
1:37
